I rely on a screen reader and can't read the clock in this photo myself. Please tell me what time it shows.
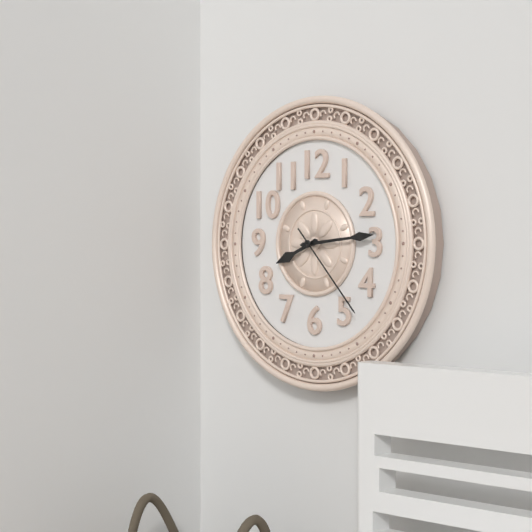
8:14:23
